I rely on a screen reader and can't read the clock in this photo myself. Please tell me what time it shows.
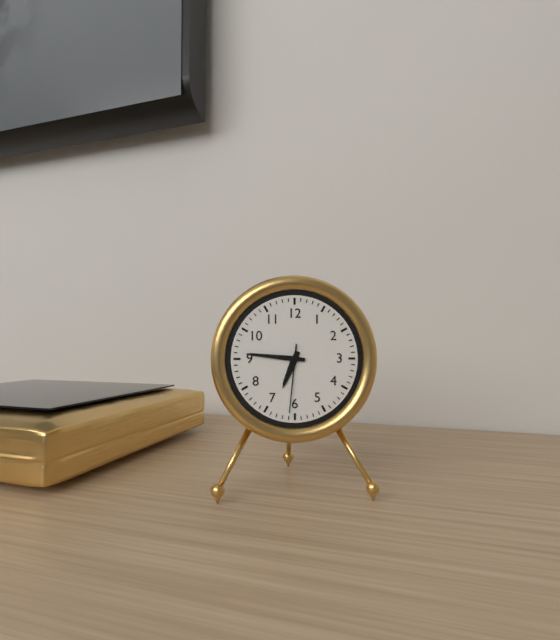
6:46:31
